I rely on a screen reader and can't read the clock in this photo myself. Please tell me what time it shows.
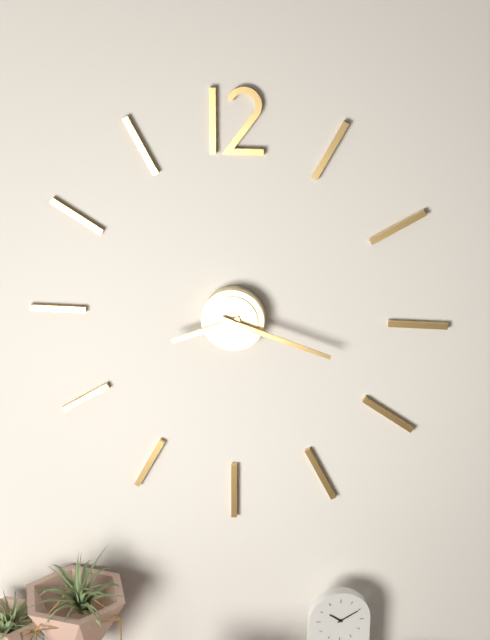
8:18
